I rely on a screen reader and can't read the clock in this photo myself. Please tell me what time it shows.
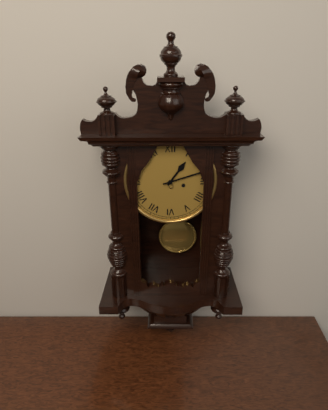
1:12
